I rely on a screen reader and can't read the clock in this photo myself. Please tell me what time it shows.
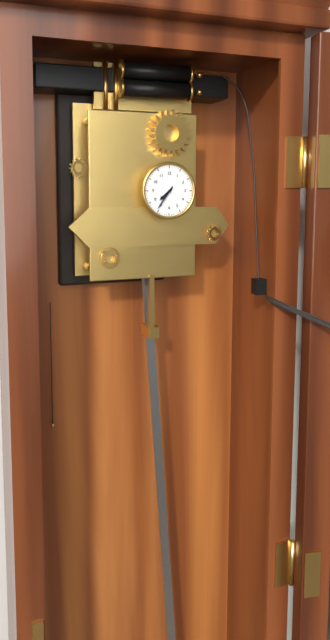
7:36
